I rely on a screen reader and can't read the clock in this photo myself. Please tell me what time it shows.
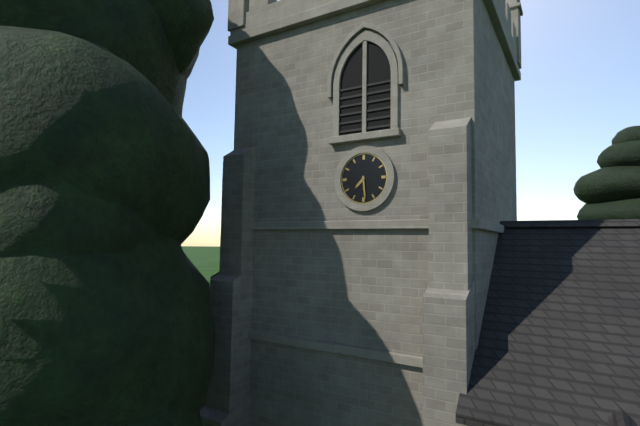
7:29
